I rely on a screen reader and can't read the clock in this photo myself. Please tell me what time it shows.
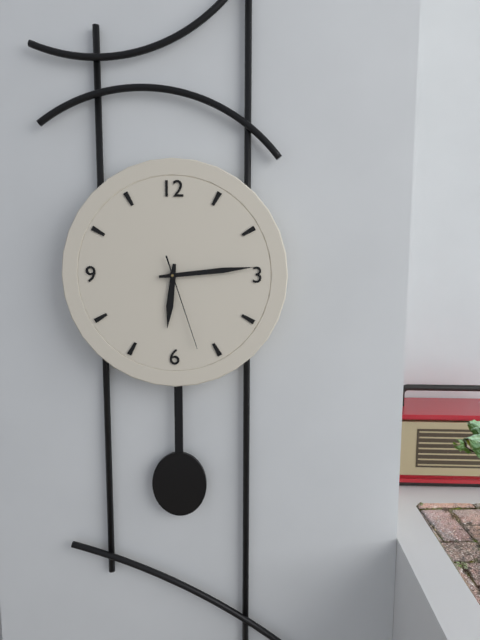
6:14:27
